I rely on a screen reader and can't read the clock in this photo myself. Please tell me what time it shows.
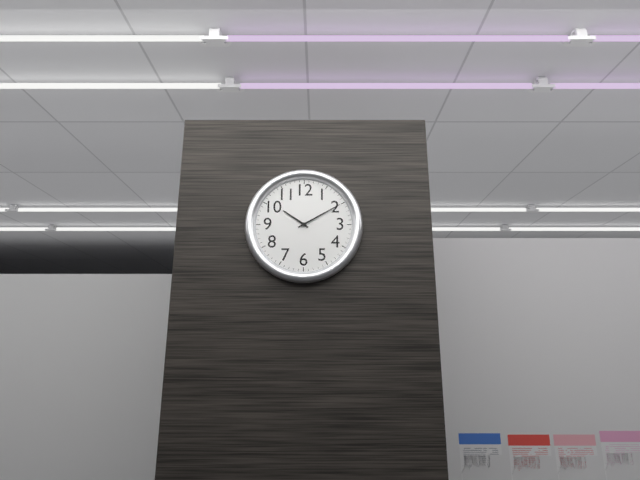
10:10
